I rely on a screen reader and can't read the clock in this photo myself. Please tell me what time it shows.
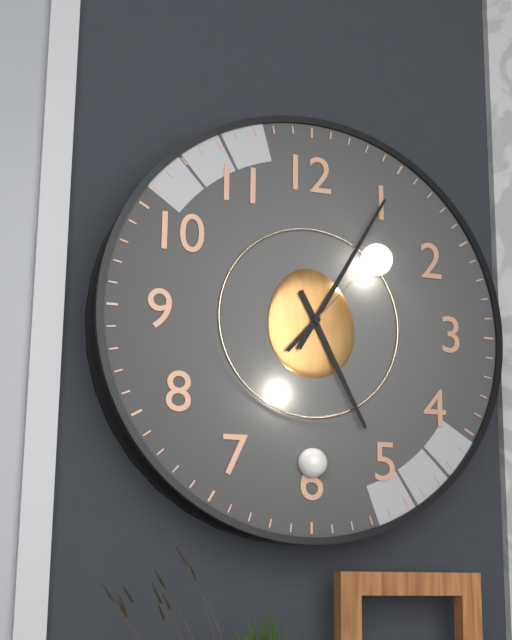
5:05:07
